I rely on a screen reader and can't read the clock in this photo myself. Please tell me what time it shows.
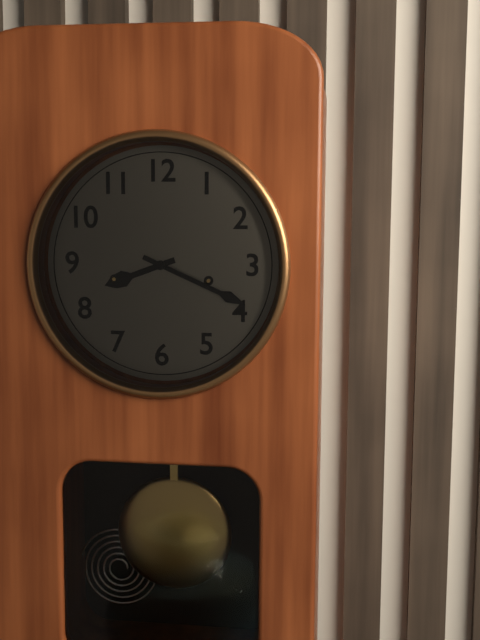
8:19
